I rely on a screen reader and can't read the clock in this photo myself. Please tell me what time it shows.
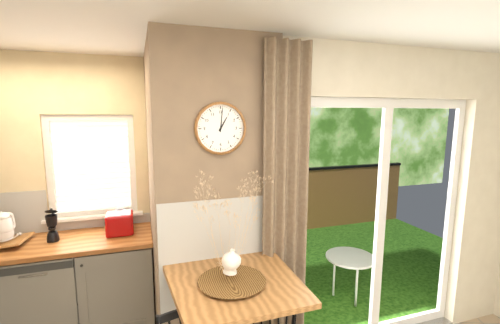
1:01
